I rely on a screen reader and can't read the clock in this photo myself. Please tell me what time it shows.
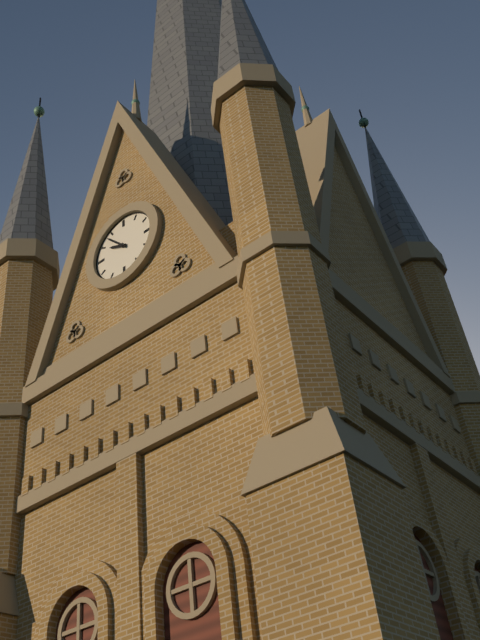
9:53
